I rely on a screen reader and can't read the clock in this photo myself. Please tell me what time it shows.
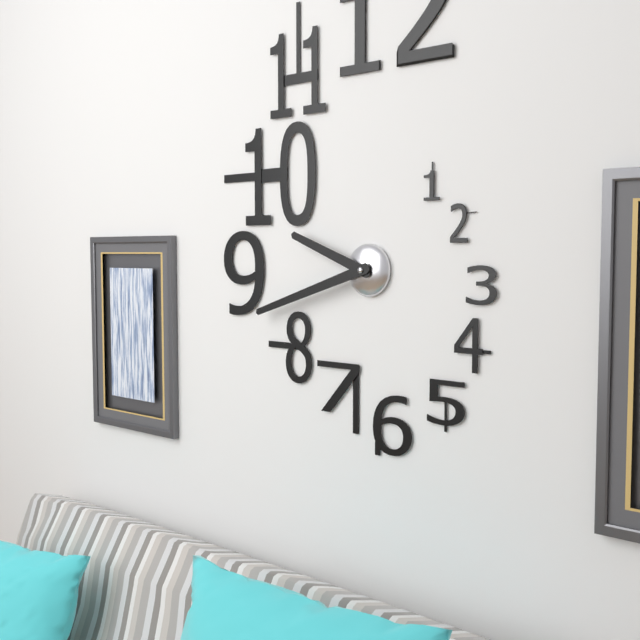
9:42
